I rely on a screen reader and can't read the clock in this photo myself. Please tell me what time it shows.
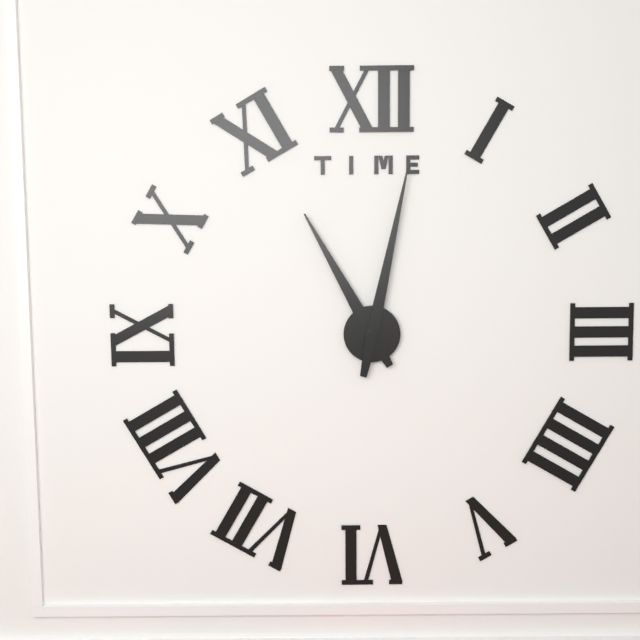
11:02
